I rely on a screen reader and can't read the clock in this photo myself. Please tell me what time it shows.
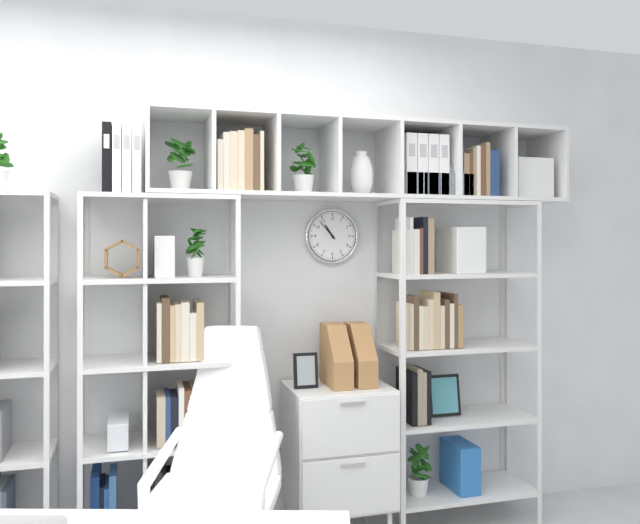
10:53
